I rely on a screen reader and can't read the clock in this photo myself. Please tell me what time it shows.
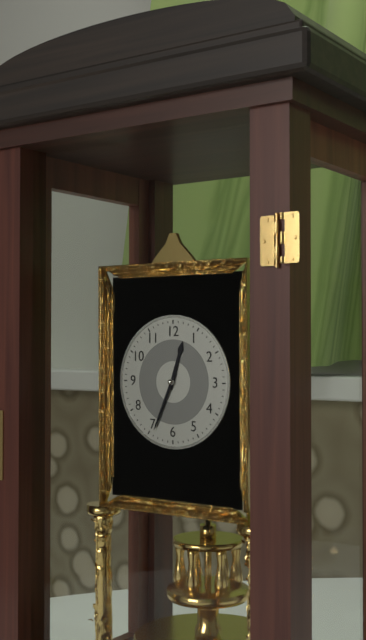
12:34
